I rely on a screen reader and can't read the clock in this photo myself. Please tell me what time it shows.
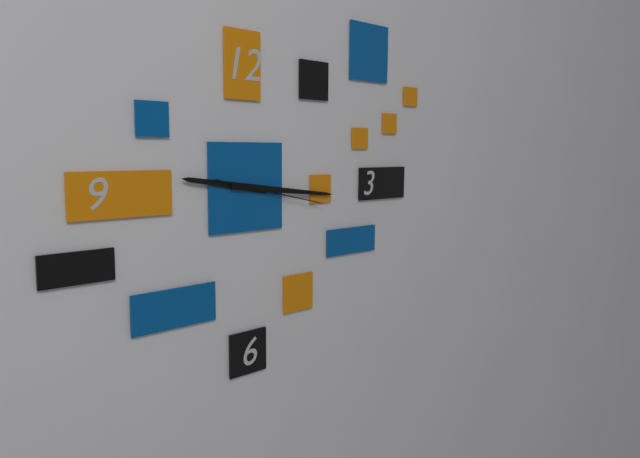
9:16:17
